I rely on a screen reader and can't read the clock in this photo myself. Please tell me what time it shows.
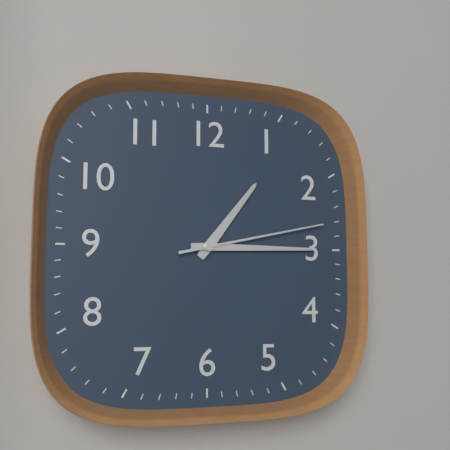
1:15:13
